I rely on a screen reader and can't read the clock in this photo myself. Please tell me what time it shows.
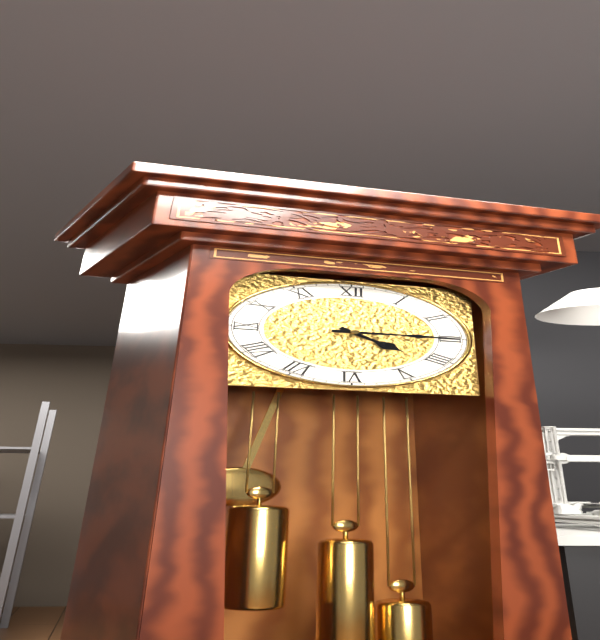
4:15
